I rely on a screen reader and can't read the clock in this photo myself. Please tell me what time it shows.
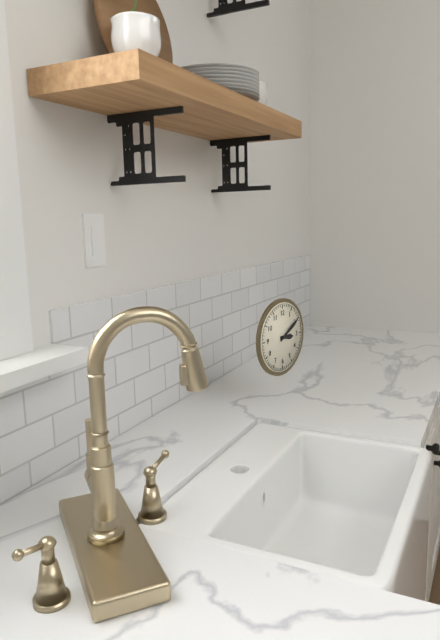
3:10
